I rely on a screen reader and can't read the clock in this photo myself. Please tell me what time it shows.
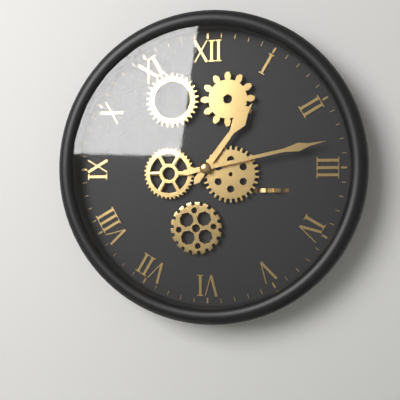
1:13
